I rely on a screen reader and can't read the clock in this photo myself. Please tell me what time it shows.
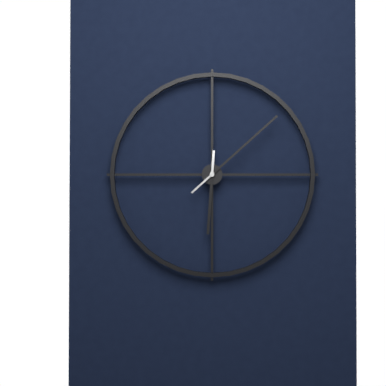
6:08
